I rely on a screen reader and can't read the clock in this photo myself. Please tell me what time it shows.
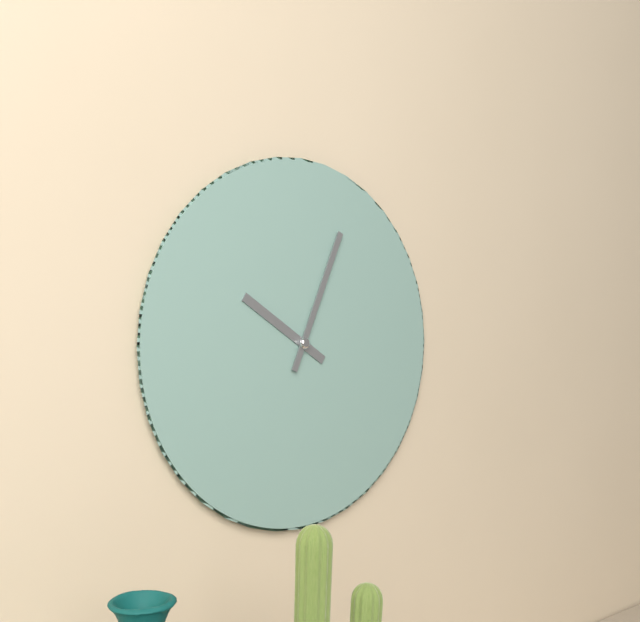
10:04
